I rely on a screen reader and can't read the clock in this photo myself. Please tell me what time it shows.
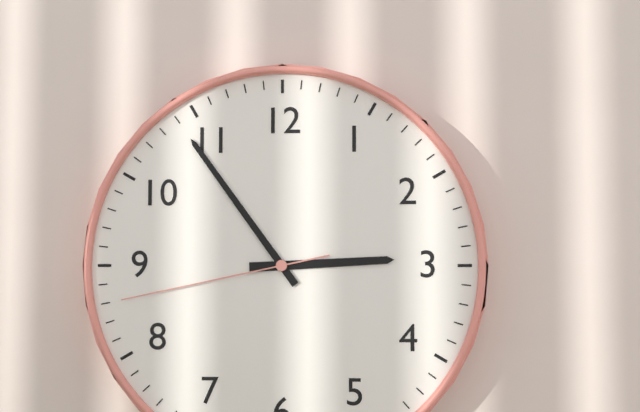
2:54:43
